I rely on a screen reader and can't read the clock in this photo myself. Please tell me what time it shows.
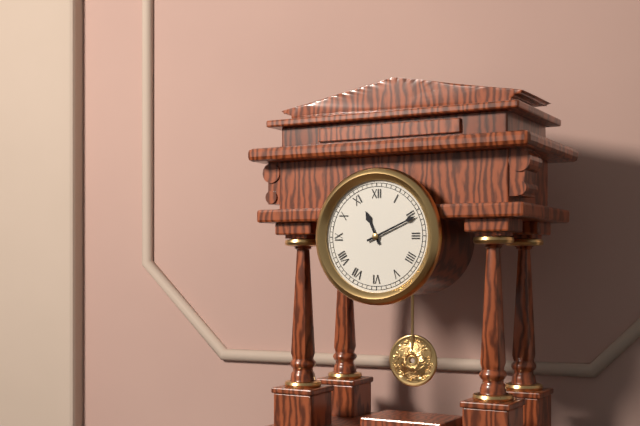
11:11
